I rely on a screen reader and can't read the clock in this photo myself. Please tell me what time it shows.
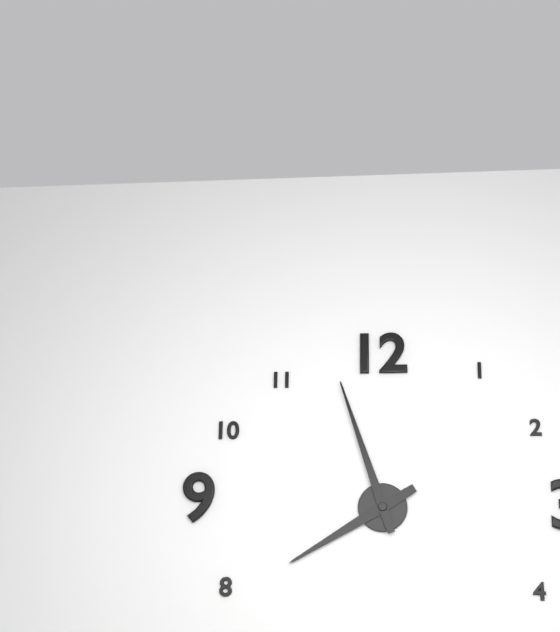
7:57
